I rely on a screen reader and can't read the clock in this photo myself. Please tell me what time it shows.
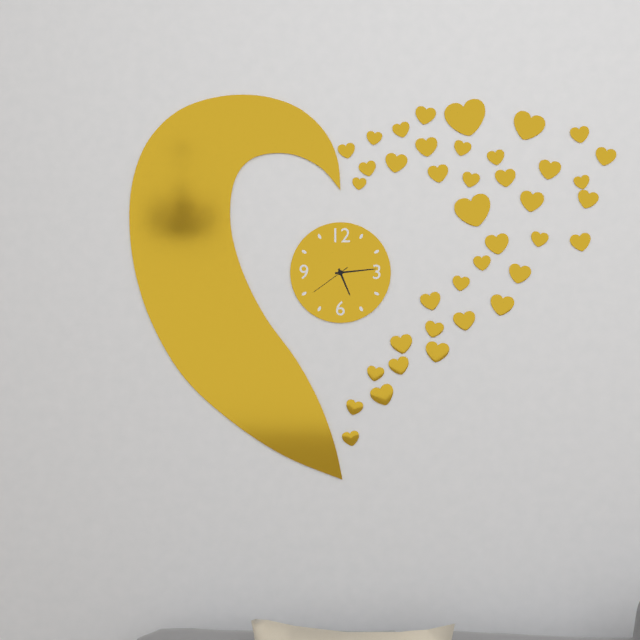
5:14
